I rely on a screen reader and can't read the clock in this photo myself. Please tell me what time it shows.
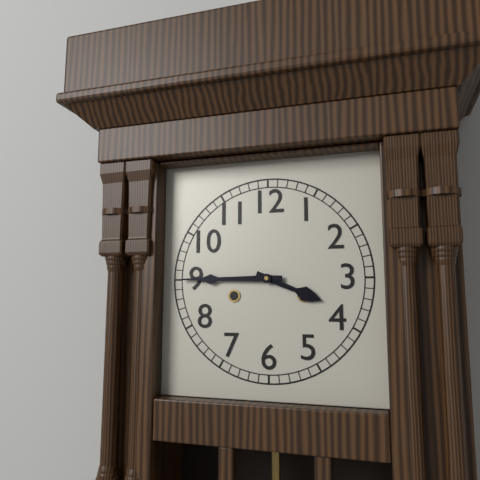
3:45
